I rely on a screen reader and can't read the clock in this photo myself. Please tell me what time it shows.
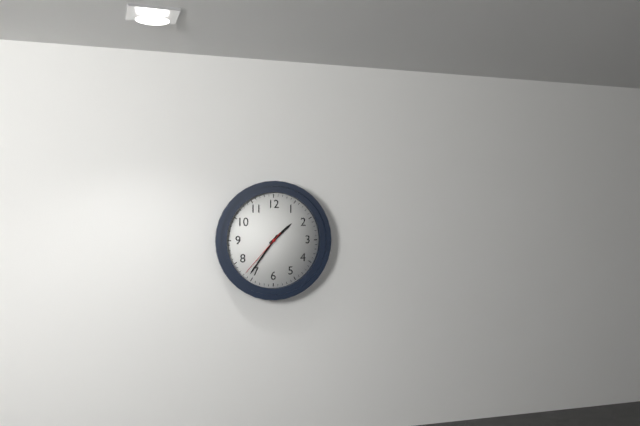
1:36:37
